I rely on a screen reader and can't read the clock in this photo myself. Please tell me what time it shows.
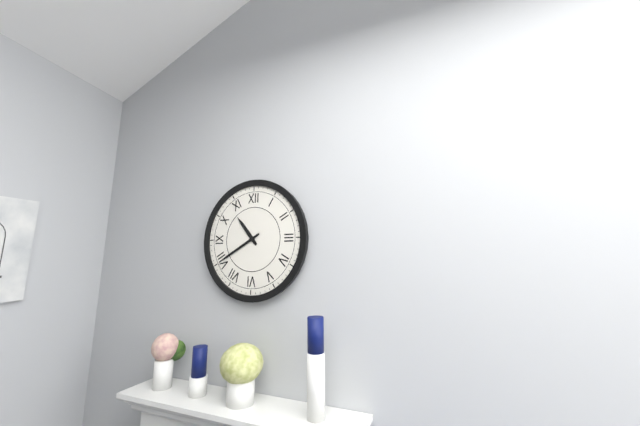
10:40
